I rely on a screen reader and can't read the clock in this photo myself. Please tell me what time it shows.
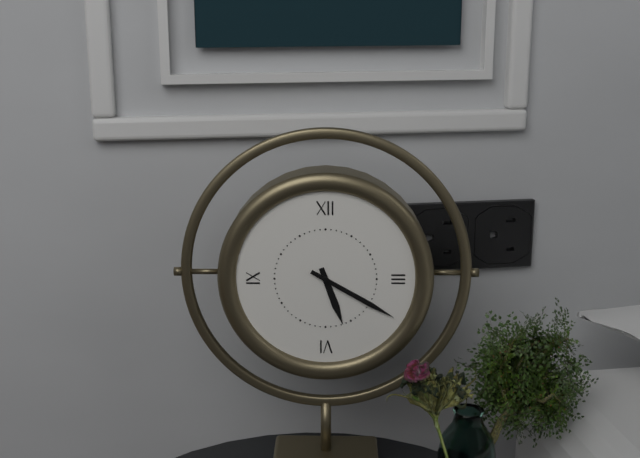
5:20
